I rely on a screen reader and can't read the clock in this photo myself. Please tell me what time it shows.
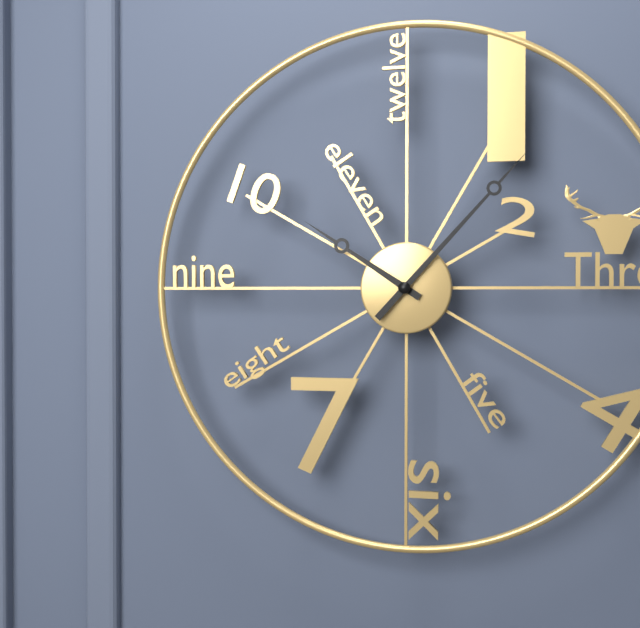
10:07
